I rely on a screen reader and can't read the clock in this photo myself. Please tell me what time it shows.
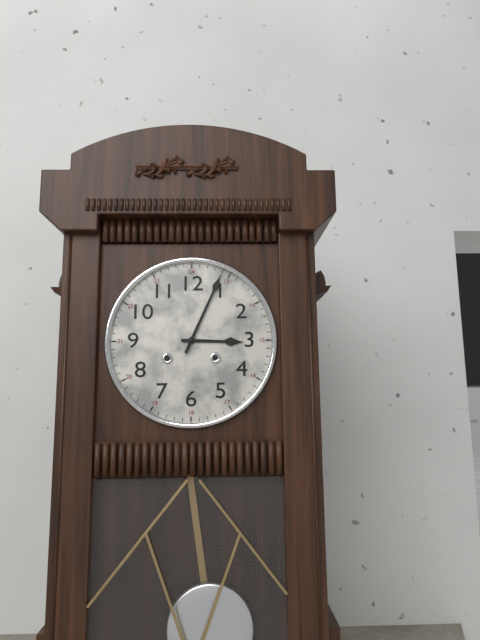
3:04
